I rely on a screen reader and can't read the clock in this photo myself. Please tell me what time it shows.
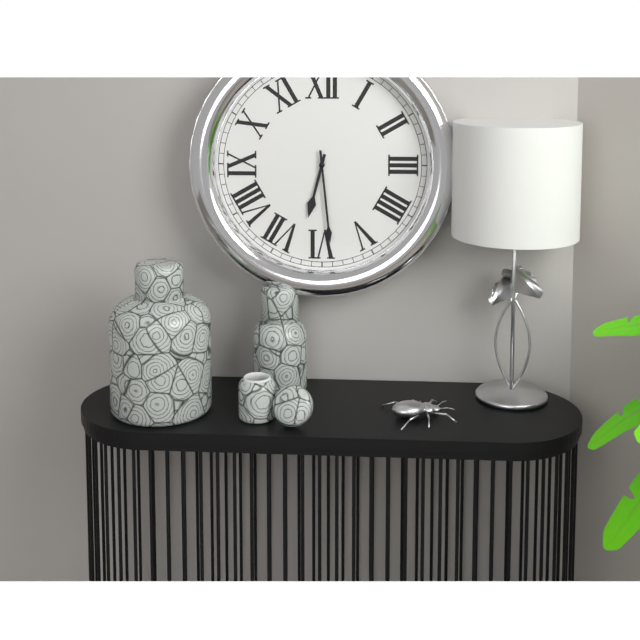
6:29
